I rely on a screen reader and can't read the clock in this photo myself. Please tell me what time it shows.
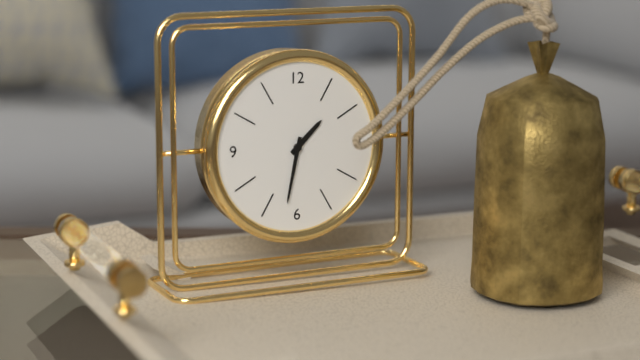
1:32
